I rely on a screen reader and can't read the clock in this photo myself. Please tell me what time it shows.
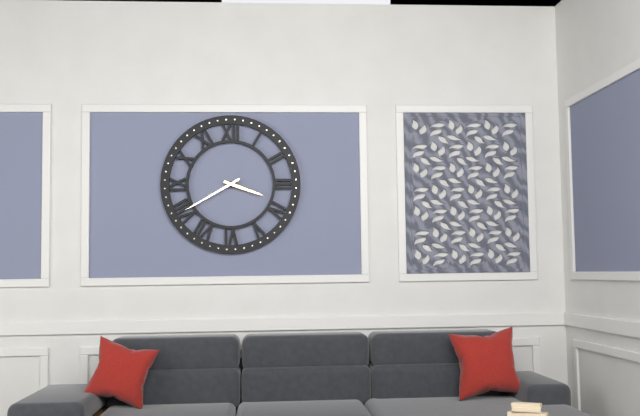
3:40
